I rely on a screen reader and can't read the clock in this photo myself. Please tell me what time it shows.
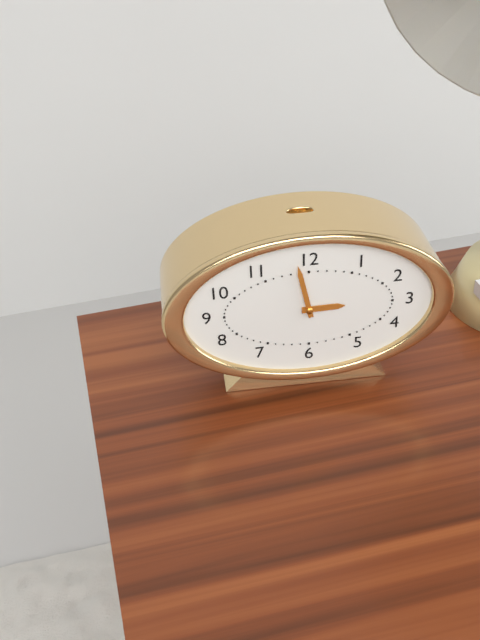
2:58
